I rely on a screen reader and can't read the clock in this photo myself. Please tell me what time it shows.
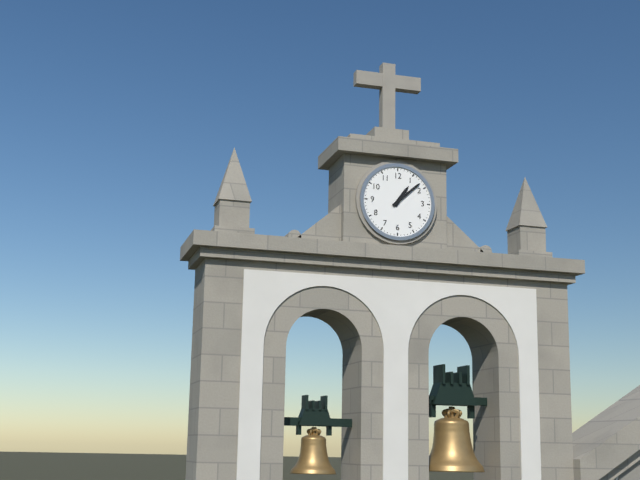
1:08
